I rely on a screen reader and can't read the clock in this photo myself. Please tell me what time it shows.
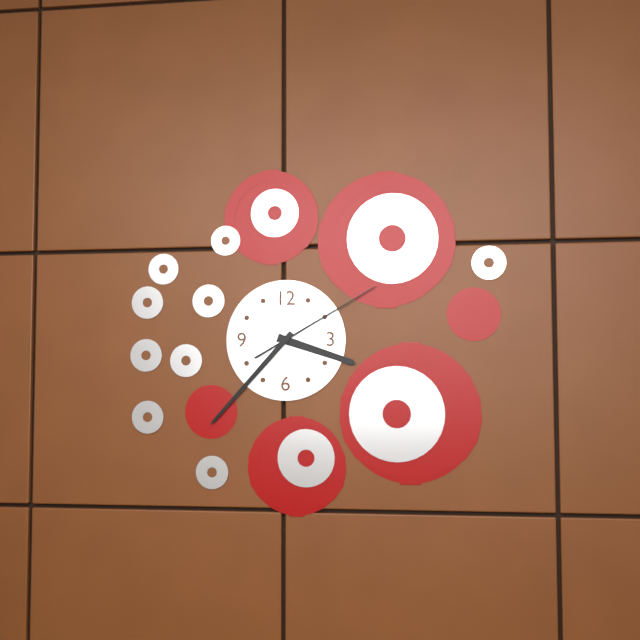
3:37:10
